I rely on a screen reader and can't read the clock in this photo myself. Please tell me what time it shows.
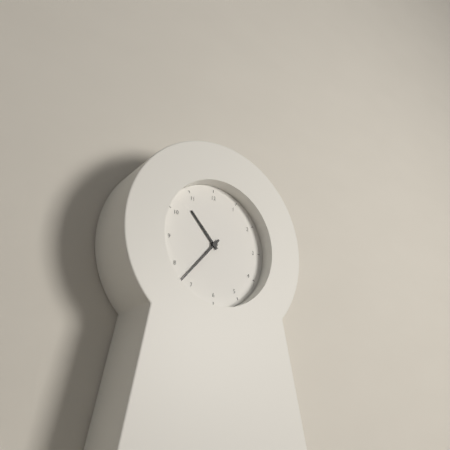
10:37
